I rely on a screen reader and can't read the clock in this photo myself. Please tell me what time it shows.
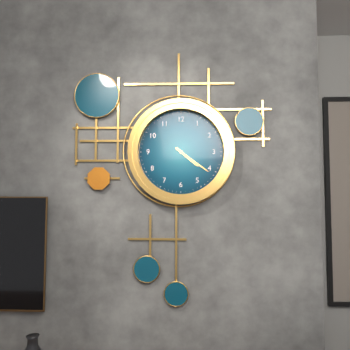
4:21
